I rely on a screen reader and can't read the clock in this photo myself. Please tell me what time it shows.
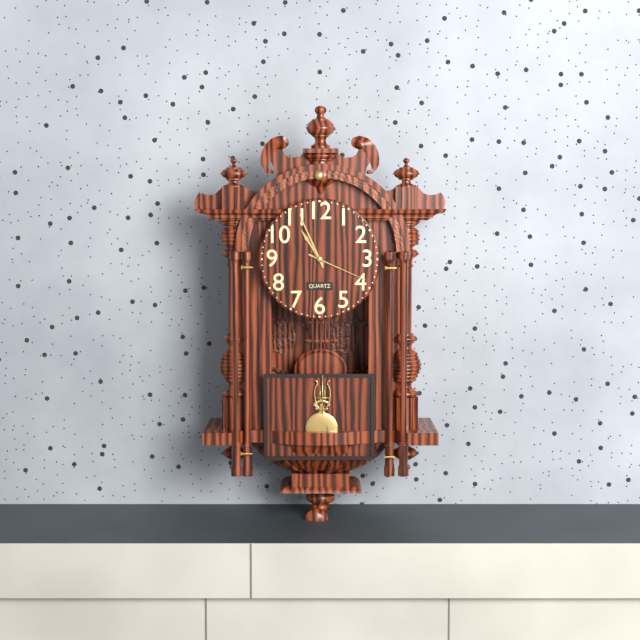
10:56:19
